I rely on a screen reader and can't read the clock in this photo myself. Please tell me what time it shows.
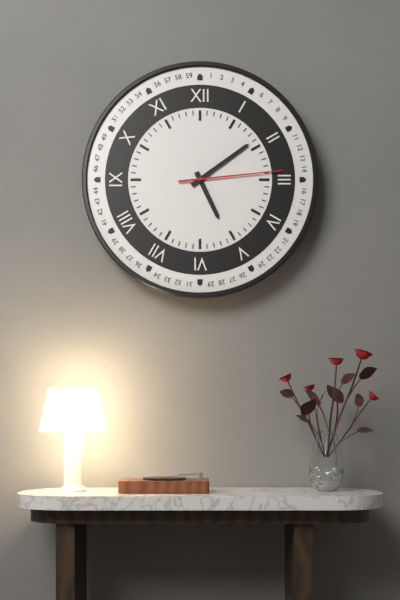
5:09:14
